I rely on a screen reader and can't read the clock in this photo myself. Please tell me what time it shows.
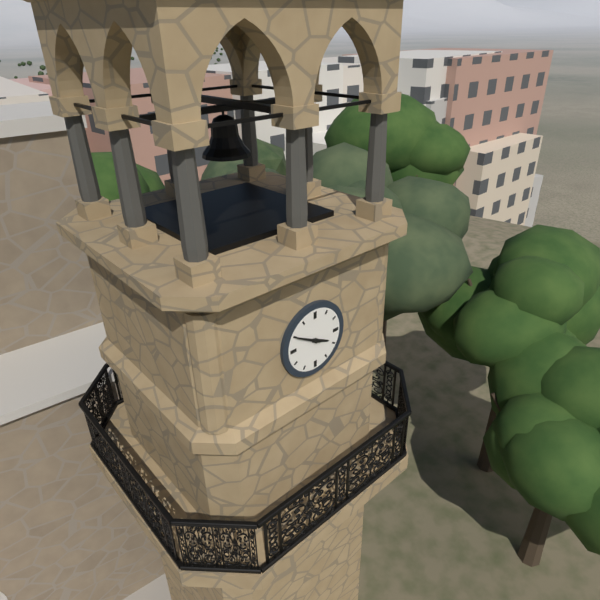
3:50
